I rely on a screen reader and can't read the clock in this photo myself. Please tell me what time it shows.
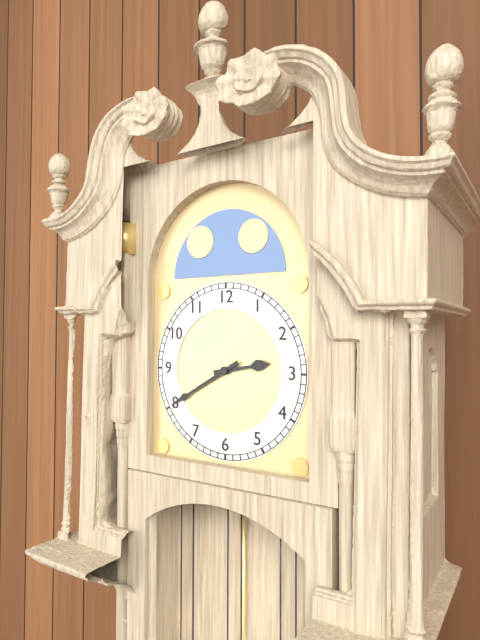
2:40
